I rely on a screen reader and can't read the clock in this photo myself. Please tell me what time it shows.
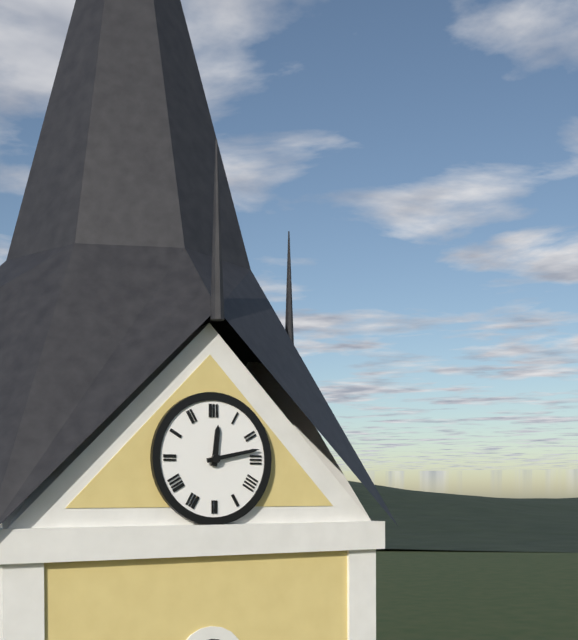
12:13
